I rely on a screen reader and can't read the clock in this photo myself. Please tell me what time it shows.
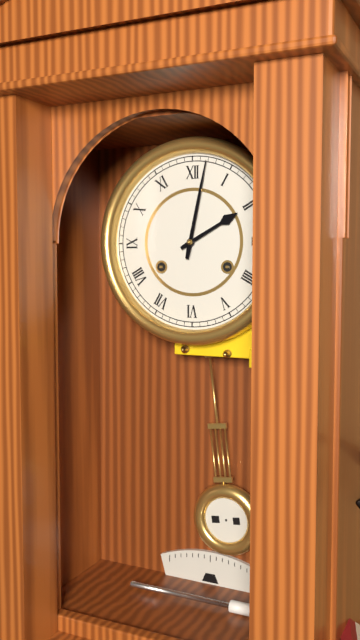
2:02
